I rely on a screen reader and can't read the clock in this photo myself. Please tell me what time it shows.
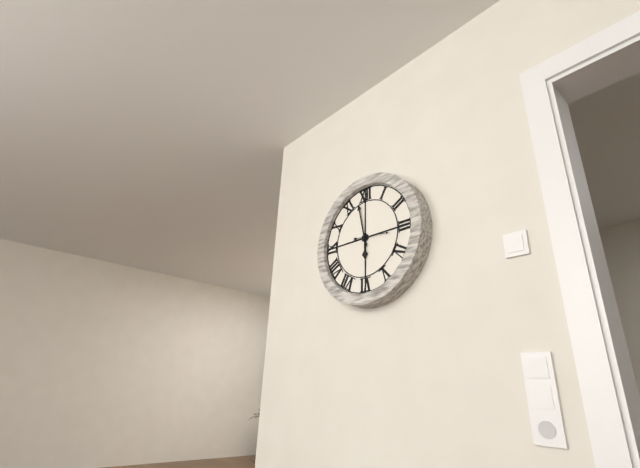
5:58
